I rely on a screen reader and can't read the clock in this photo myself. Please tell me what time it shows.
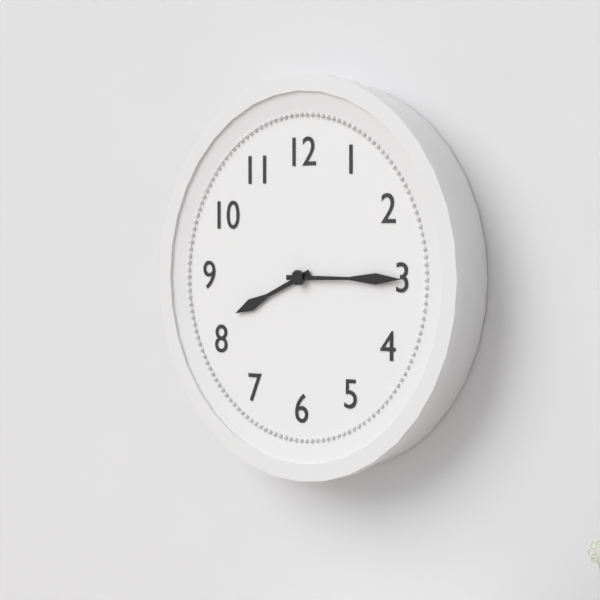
8:15
